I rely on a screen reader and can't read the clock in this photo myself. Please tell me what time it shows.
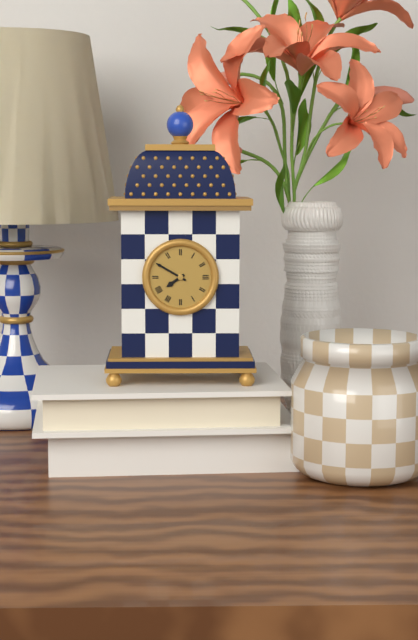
7:50
